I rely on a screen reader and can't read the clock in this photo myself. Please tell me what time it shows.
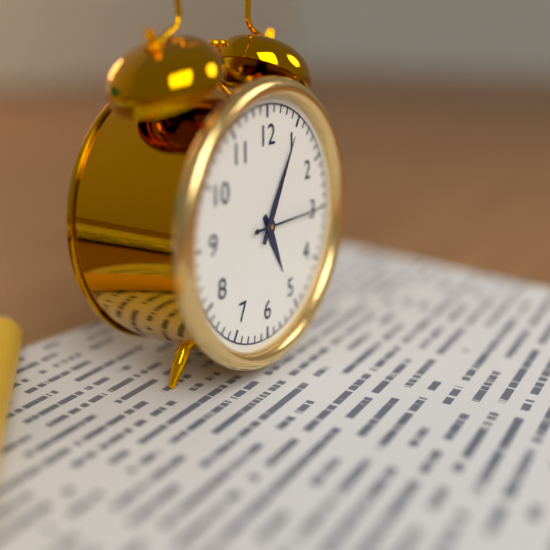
5:05:15
